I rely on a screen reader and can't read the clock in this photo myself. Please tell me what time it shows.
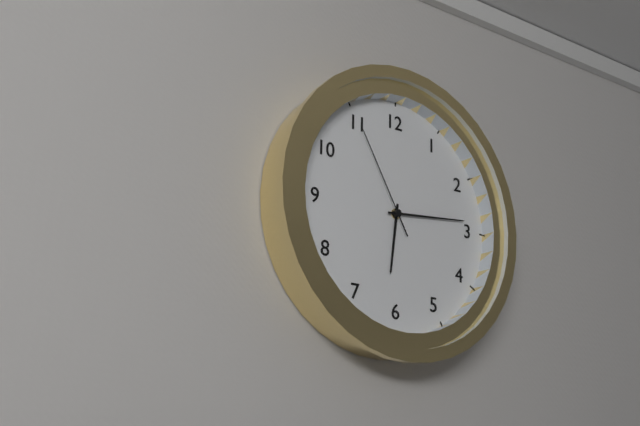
6:14:55
